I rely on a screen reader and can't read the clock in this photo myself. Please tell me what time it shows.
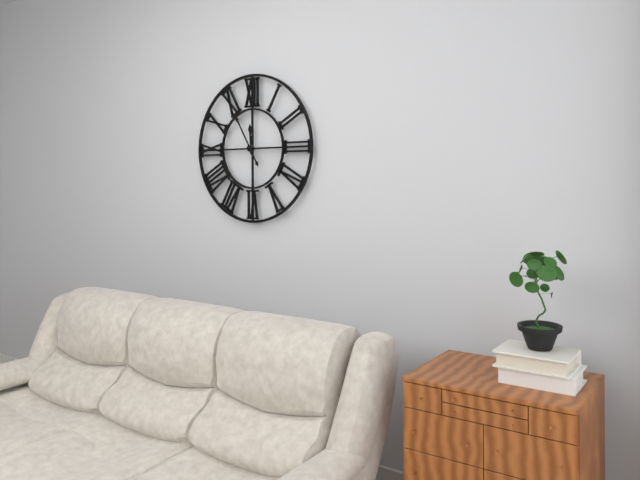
11:55
